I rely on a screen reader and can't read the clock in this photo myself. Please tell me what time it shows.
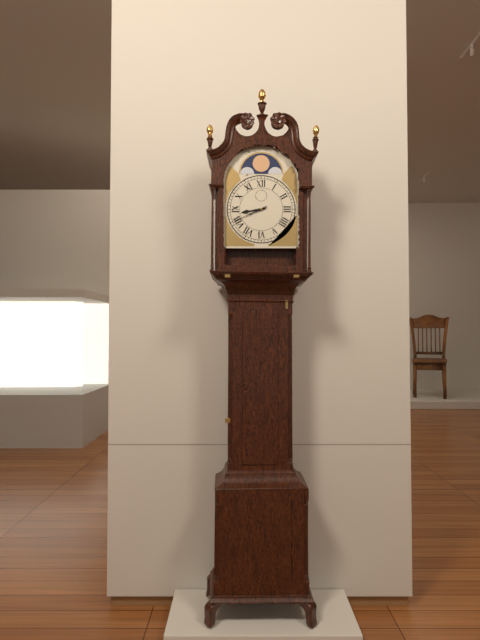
8:41
